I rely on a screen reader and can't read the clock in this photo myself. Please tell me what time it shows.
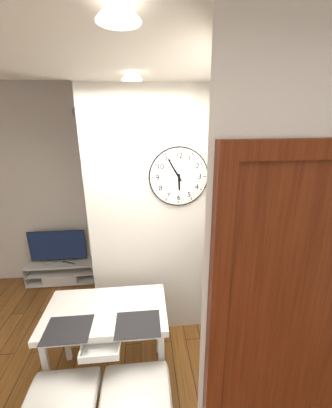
5:55
